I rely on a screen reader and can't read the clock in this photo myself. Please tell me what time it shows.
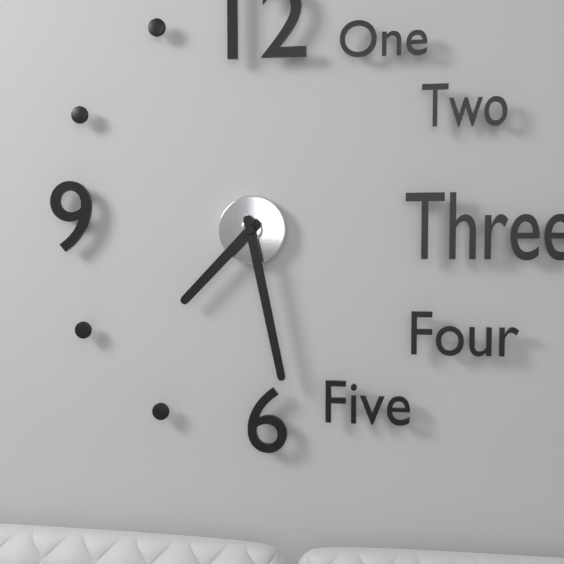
7:28
